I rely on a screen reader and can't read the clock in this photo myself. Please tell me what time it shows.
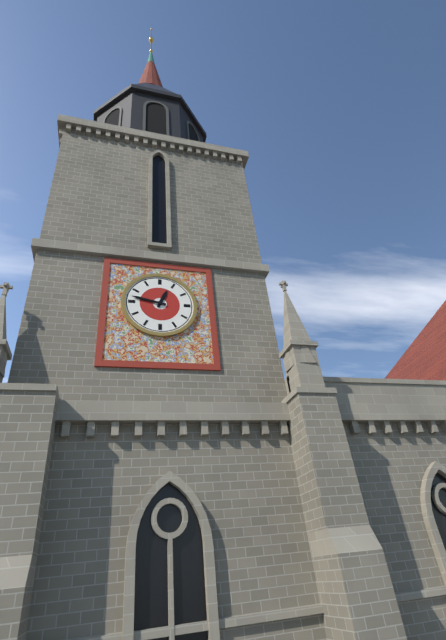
12:47
